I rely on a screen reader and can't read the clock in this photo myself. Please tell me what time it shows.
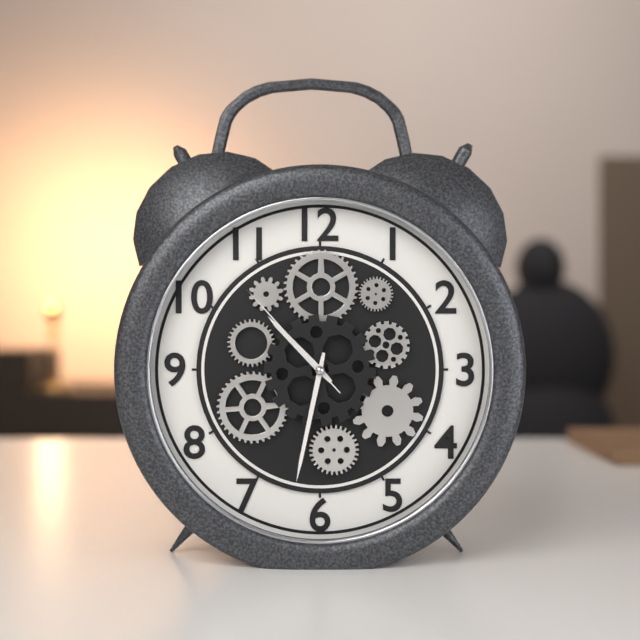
10:32:53
